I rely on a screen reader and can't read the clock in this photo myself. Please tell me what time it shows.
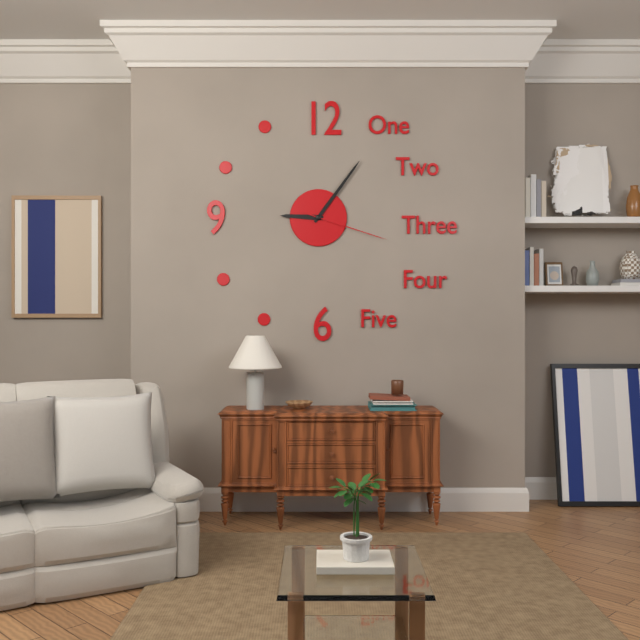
9:06:18
